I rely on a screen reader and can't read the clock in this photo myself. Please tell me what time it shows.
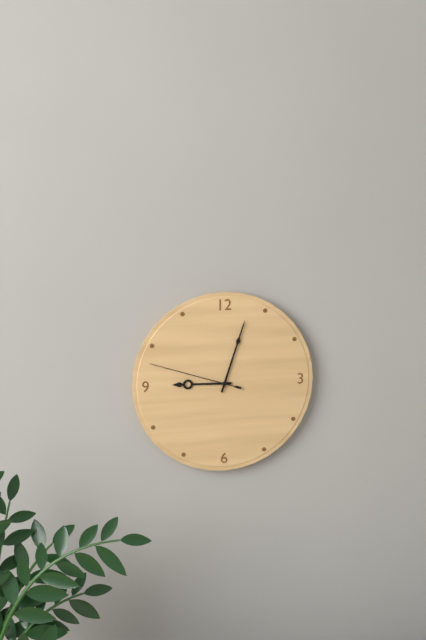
9:03:48
